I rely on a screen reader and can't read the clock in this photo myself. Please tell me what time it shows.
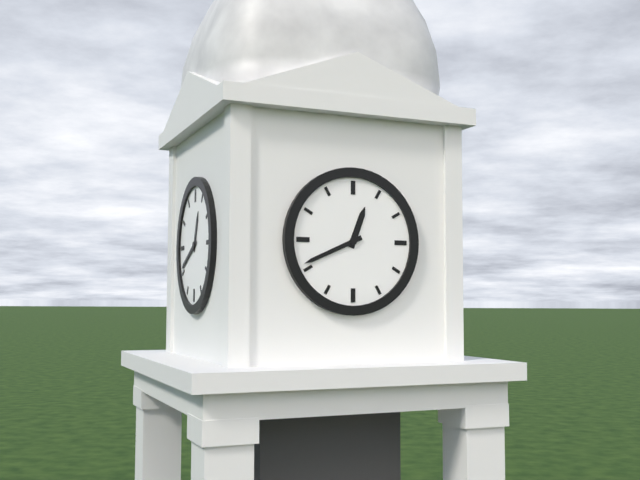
12:41
